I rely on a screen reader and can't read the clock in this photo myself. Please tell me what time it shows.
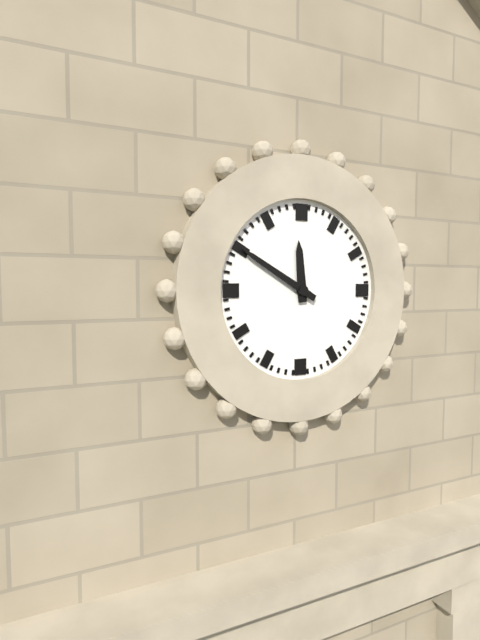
11:50
